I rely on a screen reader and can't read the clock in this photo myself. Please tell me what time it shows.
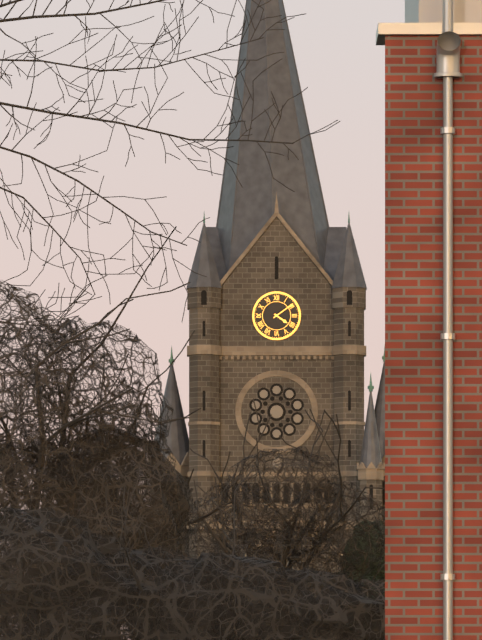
4:09
